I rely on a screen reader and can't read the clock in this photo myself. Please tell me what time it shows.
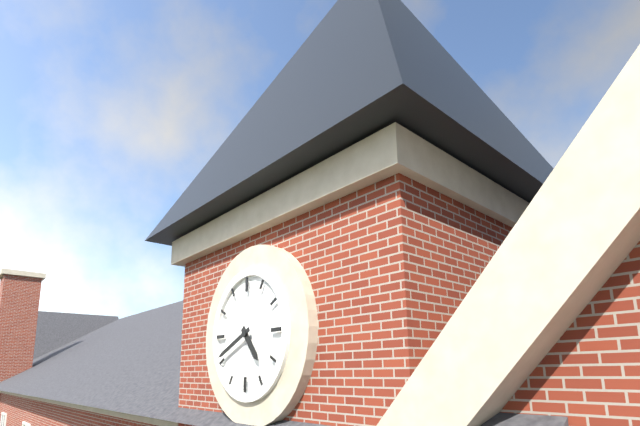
4:41
